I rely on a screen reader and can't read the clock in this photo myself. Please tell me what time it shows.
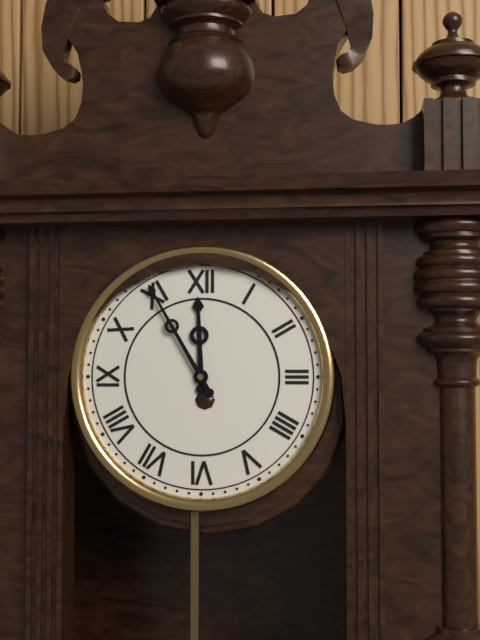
11:55
